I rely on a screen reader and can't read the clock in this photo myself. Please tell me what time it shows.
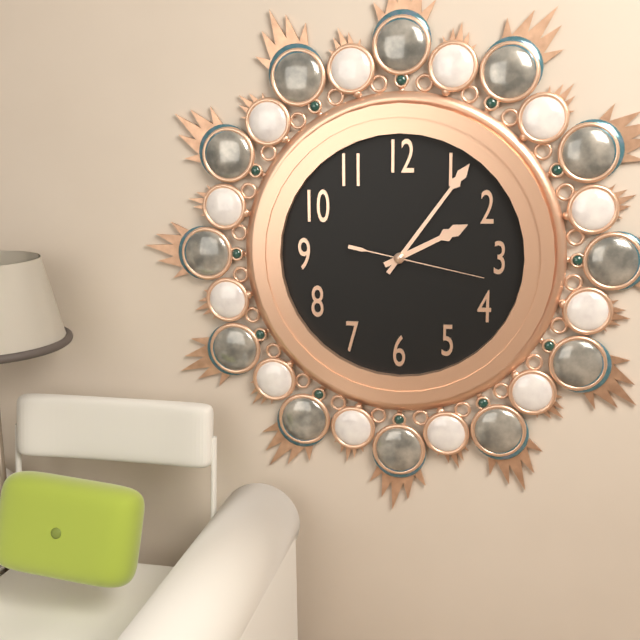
2:06:17
